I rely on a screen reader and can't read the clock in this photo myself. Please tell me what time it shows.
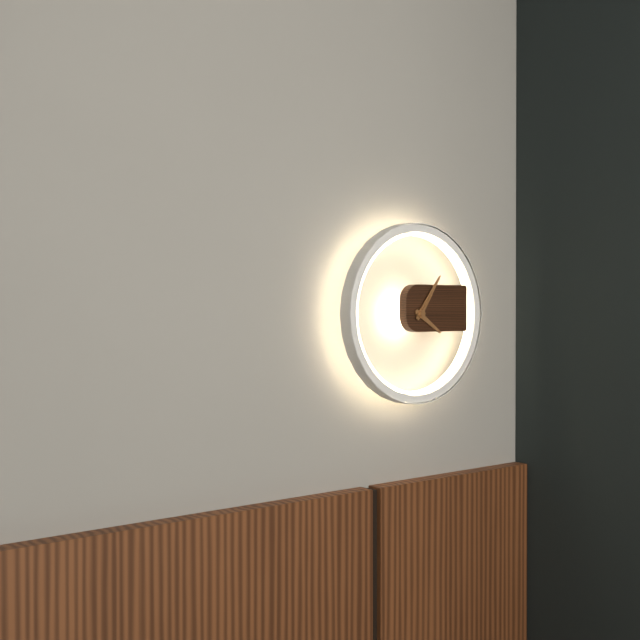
4:06:06
